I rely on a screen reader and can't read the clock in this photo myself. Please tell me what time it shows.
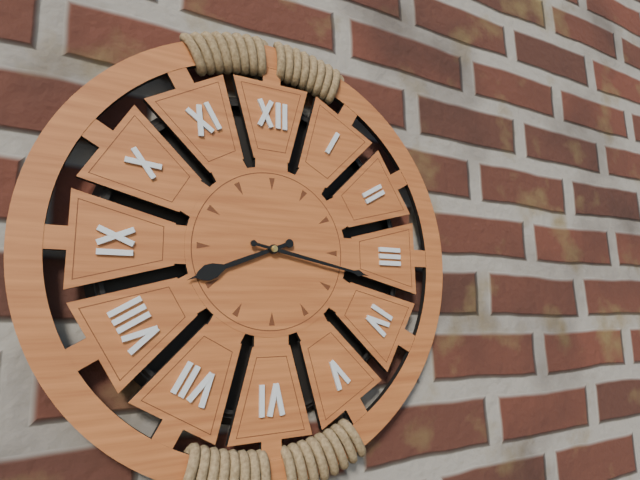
8:17
